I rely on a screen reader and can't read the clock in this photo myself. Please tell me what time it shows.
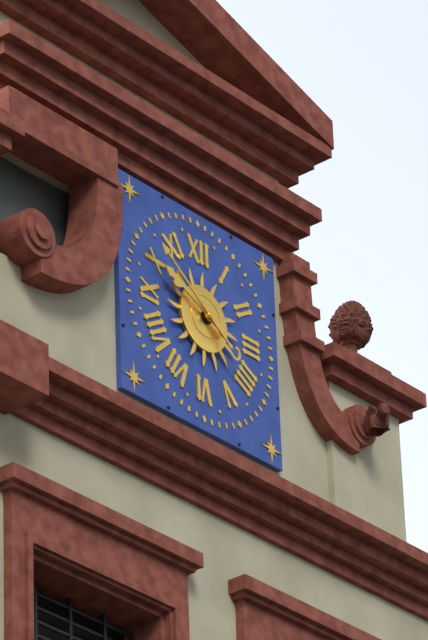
9:51
